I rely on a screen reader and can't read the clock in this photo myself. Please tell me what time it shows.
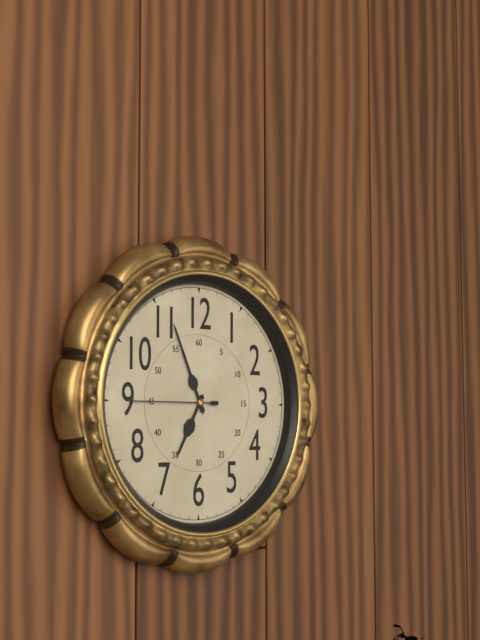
6:56:45
